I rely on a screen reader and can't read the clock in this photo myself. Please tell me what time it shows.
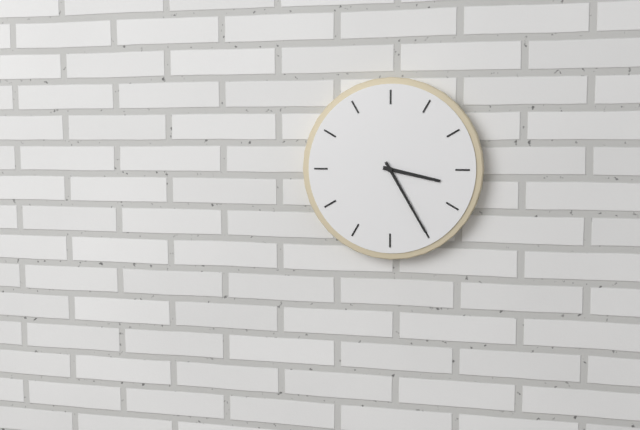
3:25
